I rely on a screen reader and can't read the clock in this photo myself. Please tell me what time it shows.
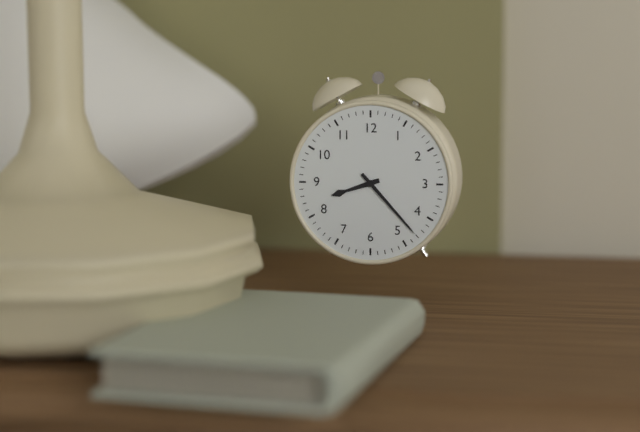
8:23
